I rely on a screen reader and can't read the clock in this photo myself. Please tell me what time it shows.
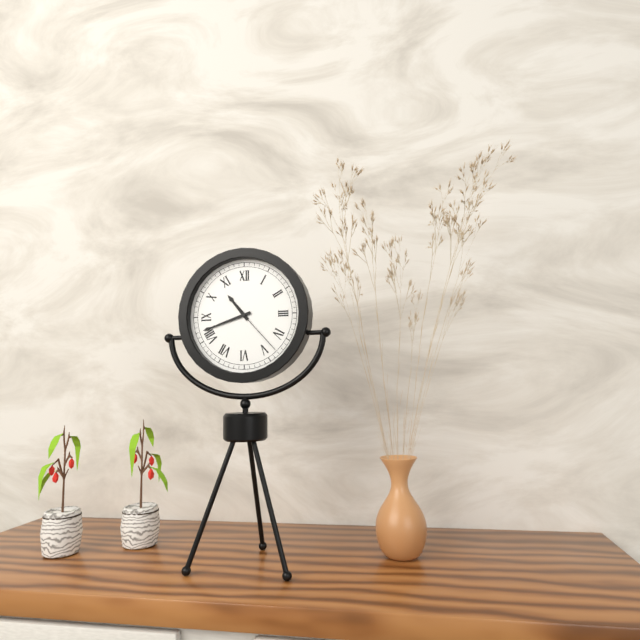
10:42:23
